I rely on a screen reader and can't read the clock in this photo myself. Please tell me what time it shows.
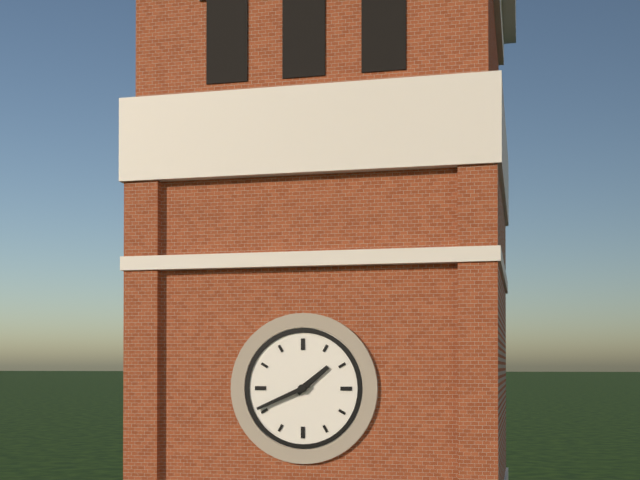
1:41
